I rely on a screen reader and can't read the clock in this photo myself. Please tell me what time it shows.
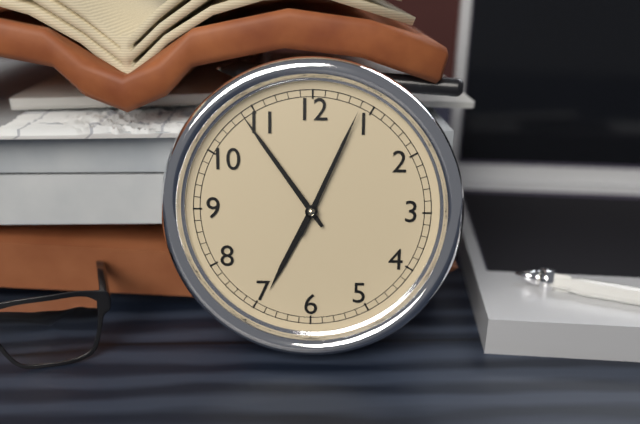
6:54:04
